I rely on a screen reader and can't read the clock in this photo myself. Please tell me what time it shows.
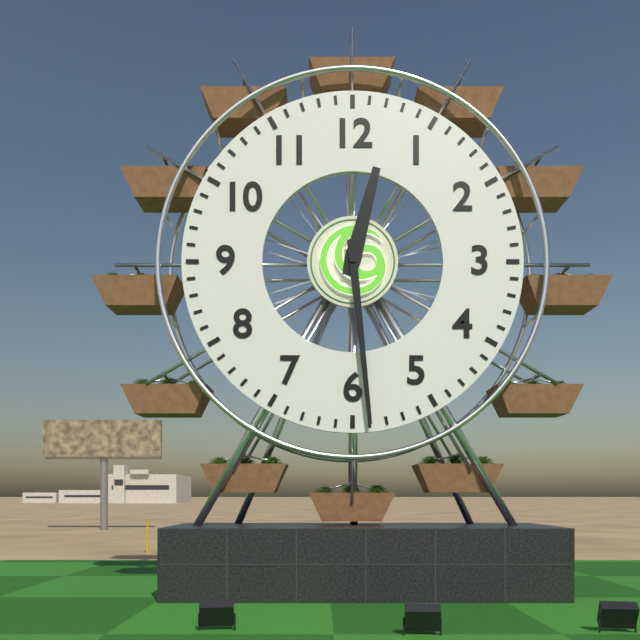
12:29
